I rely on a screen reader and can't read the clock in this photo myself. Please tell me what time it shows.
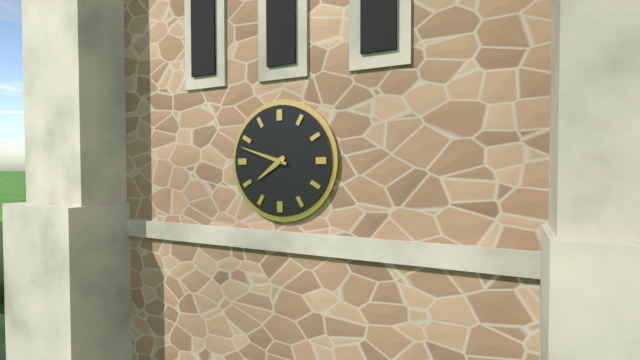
7:48
